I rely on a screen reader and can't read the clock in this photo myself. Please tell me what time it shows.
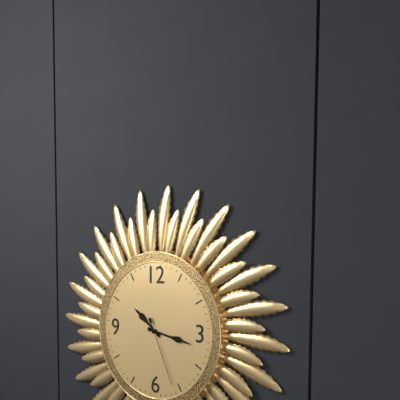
10:17:26
